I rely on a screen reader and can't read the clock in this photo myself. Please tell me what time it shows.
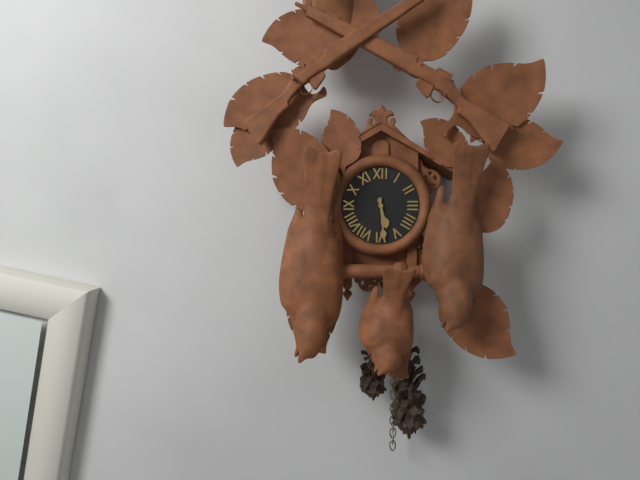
5:29
